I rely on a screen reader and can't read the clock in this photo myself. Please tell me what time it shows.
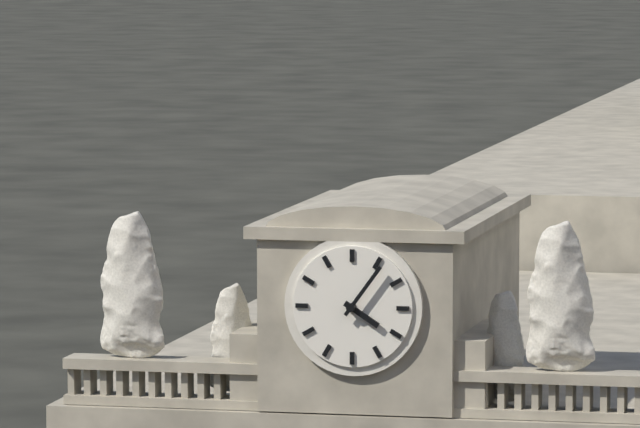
4:06
